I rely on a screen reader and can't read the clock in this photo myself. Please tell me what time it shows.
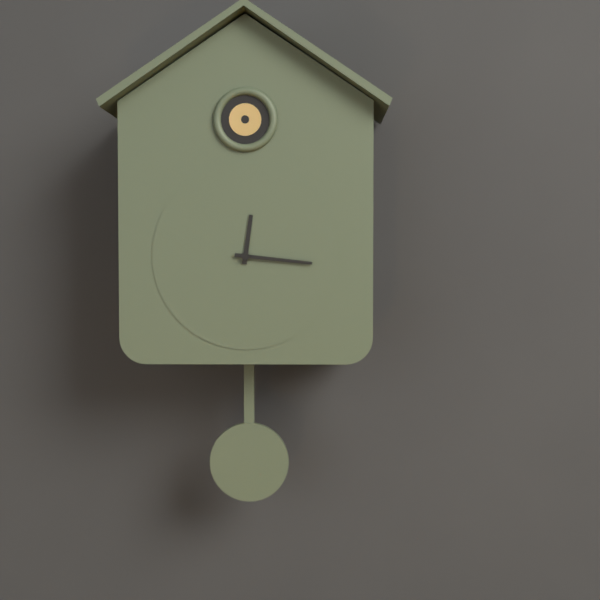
12:16
